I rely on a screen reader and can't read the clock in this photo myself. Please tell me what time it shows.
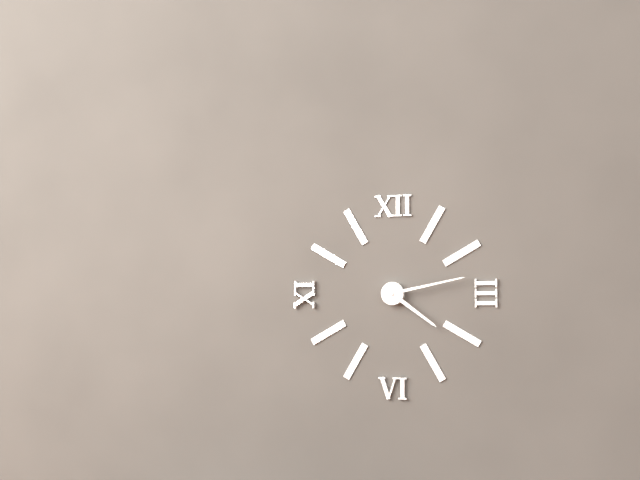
4:13
